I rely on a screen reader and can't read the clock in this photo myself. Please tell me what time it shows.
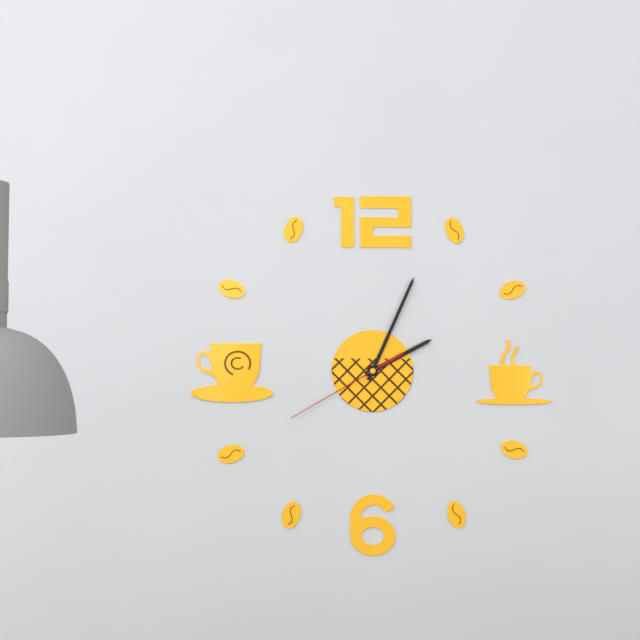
2:04:40
